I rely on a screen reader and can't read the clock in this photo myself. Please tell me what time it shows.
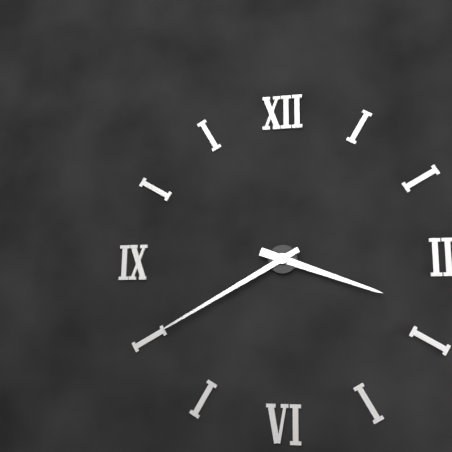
3:40
